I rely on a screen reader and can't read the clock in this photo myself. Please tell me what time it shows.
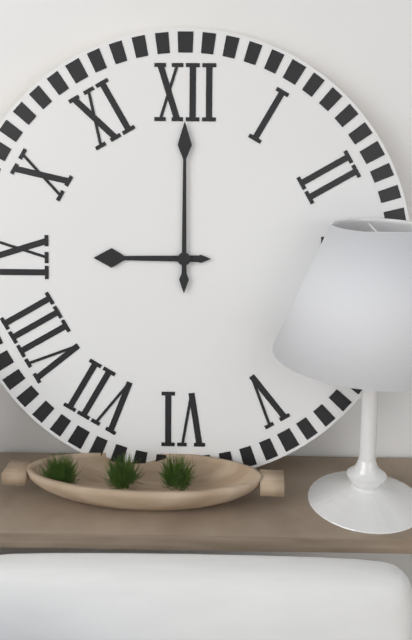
9:00
